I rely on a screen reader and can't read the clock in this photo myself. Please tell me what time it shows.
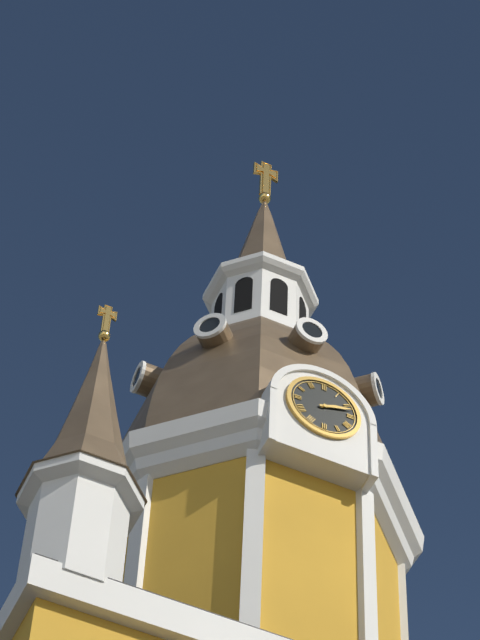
2:12
